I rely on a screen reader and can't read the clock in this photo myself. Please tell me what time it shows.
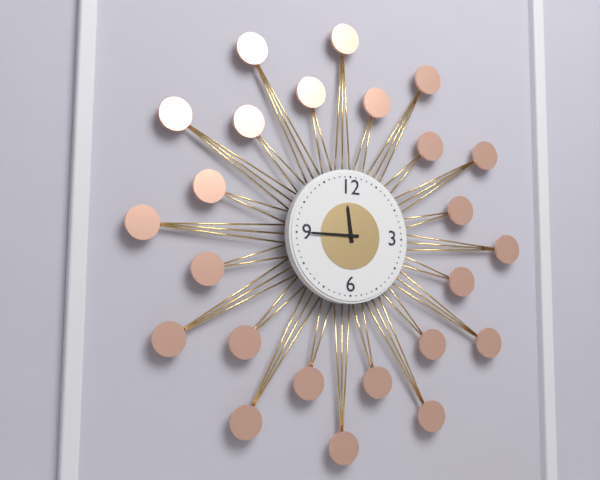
11:45
